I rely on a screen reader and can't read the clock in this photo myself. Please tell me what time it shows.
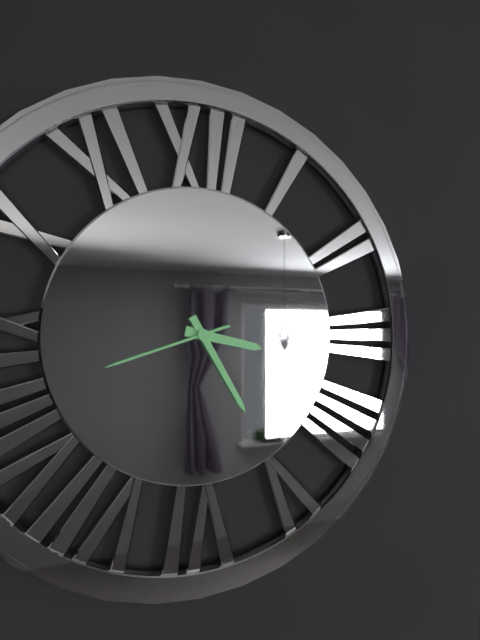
3:25:42
